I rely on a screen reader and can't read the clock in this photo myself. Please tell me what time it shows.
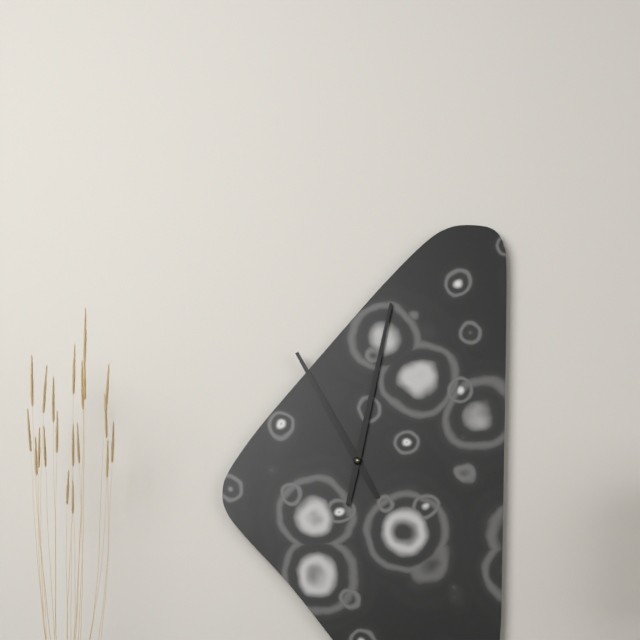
11:02
